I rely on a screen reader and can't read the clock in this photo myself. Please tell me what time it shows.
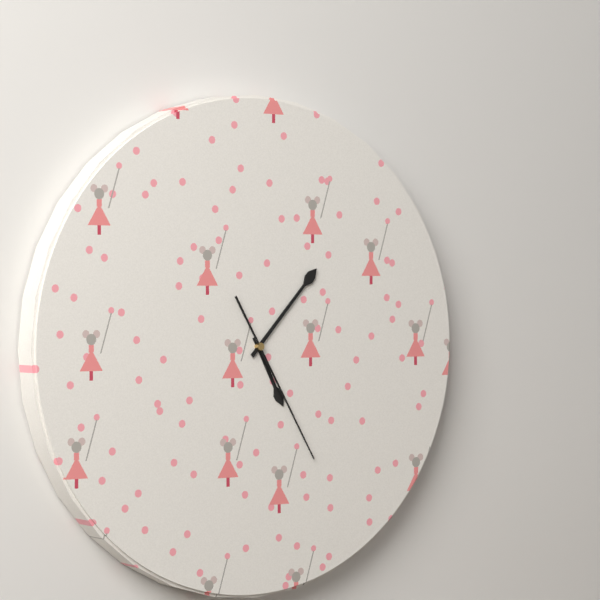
5:07:25
